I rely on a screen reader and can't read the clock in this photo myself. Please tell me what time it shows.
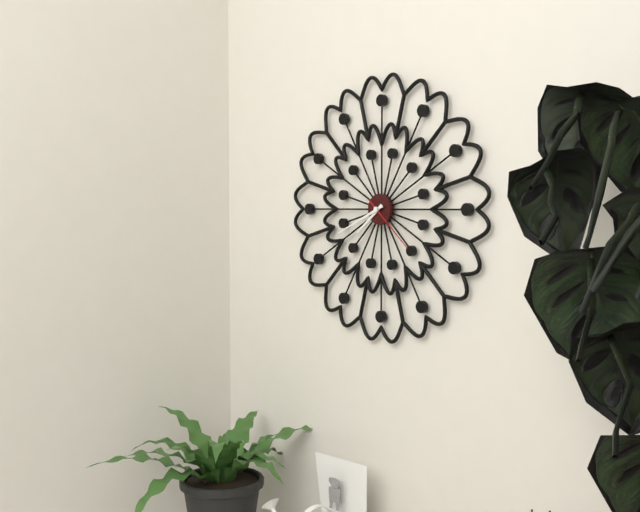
7:41:22
